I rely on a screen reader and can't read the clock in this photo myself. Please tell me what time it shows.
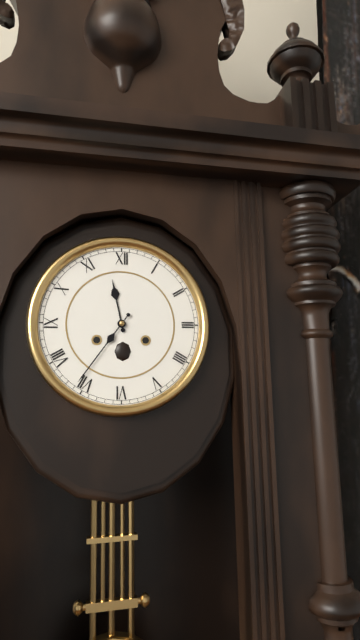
11:36
